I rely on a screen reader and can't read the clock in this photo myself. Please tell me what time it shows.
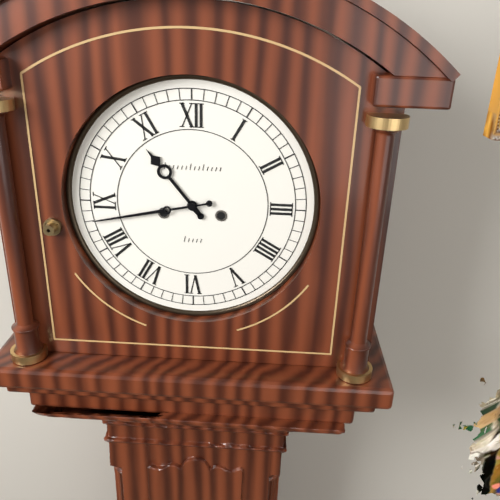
10:43
